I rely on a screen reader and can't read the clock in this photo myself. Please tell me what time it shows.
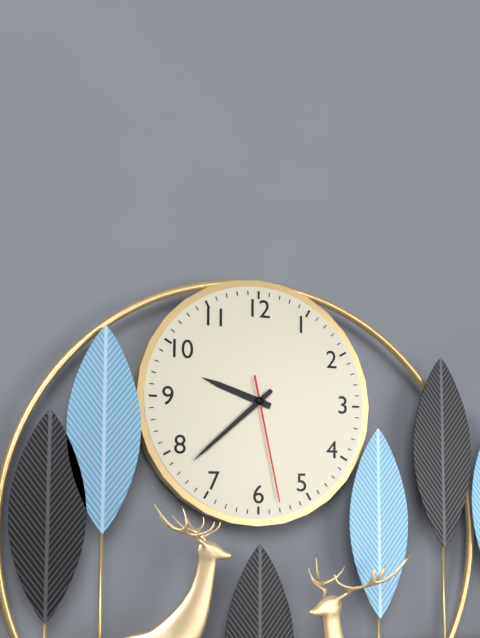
9:38:28
